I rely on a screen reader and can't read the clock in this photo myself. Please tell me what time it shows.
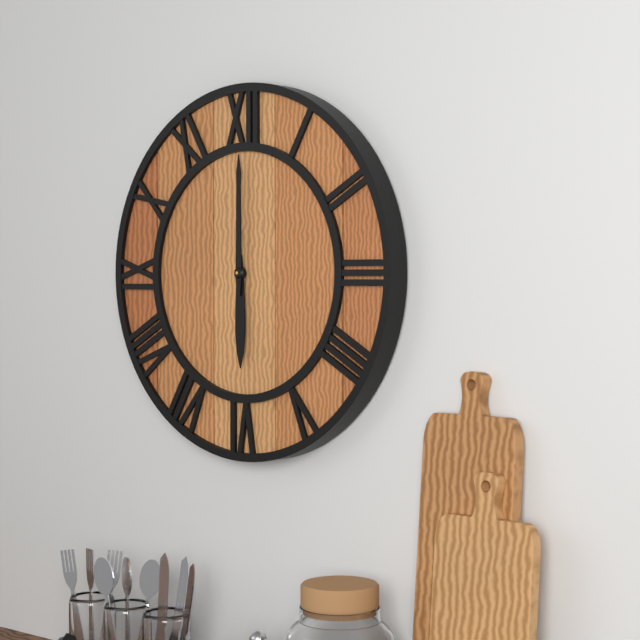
6:00
